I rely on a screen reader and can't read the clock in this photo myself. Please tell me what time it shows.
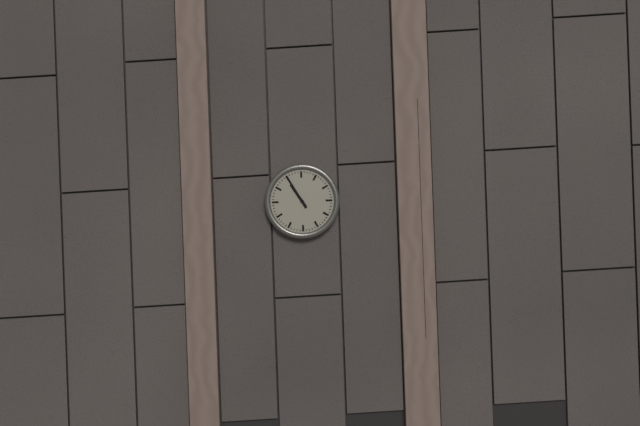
10:55
